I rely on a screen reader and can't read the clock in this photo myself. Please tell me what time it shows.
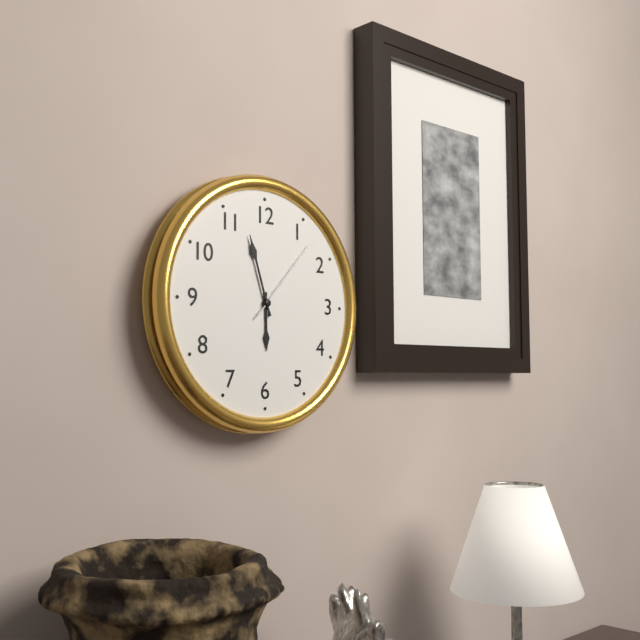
5:57:07
